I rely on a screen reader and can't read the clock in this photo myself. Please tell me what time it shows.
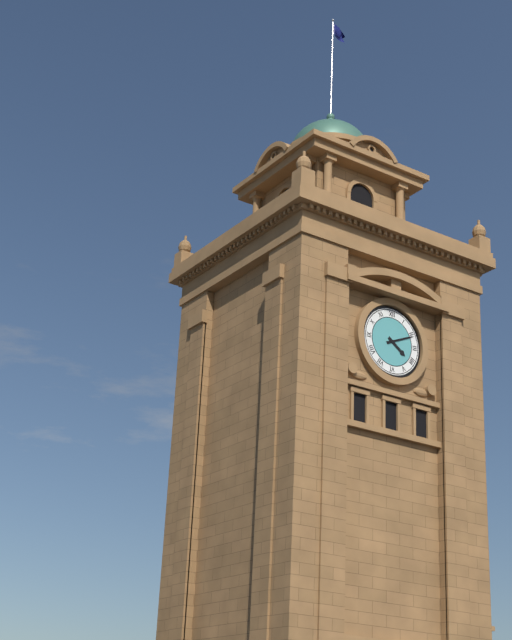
4:11
